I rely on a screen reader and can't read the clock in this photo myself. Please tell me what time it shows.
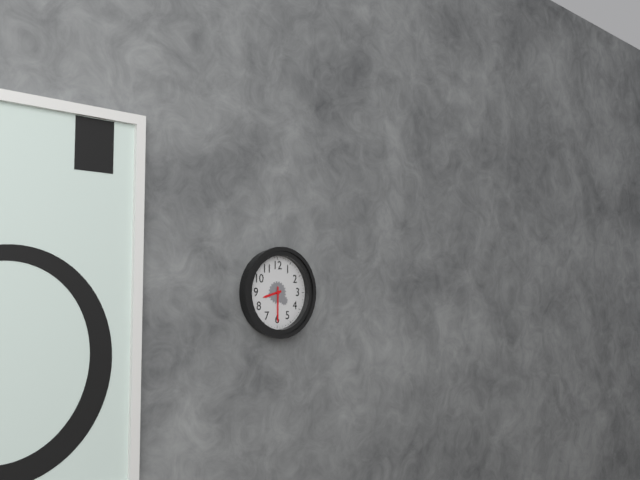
8:30
